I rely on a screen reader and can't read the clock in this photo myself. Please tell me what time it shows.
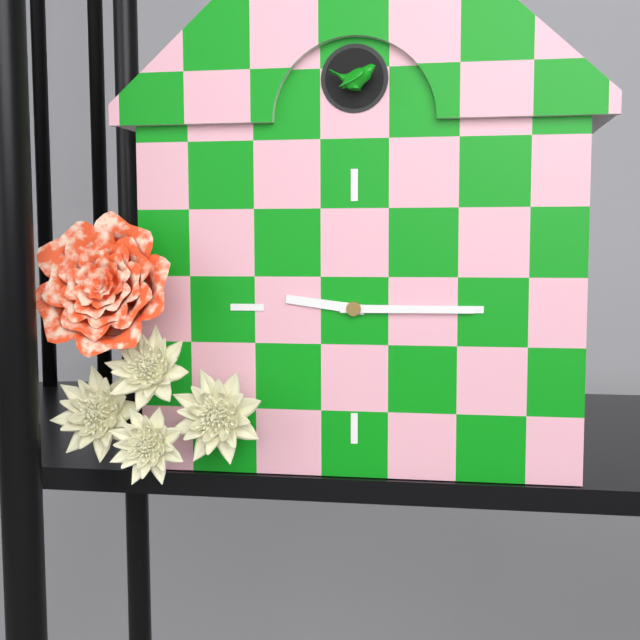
9:15
